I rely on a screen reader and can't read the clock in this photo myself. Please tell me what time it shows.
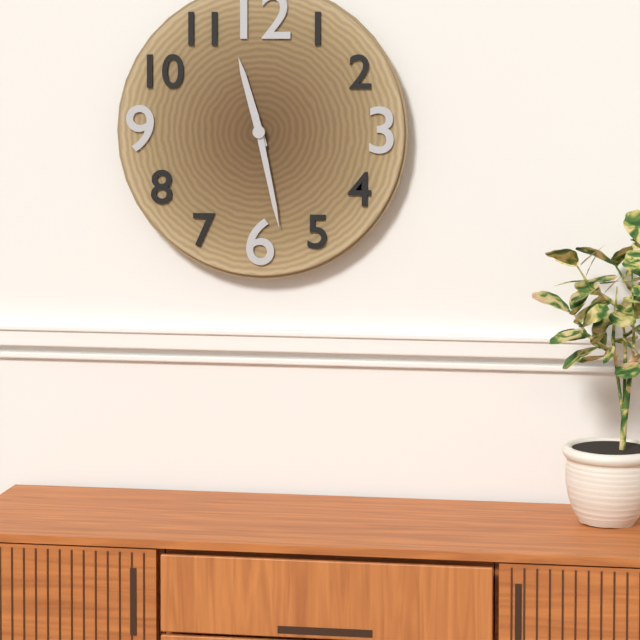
11:28
